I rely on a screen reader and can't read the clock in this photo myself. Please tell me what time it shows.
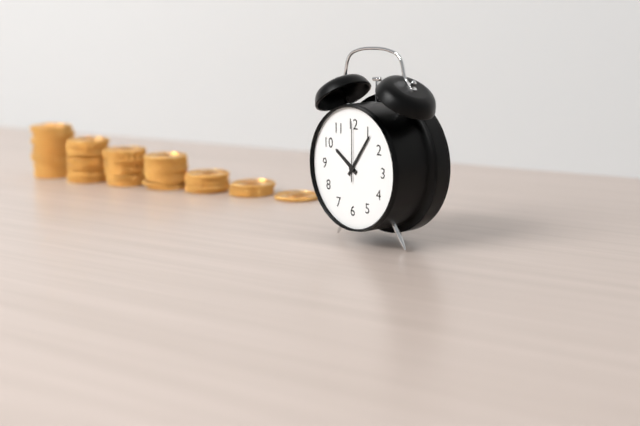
10:06:00
